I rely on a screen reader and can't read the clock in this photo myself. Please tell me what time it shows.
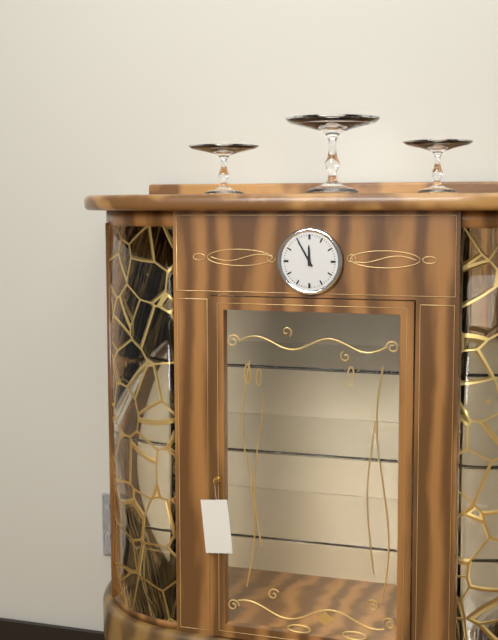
11:55
